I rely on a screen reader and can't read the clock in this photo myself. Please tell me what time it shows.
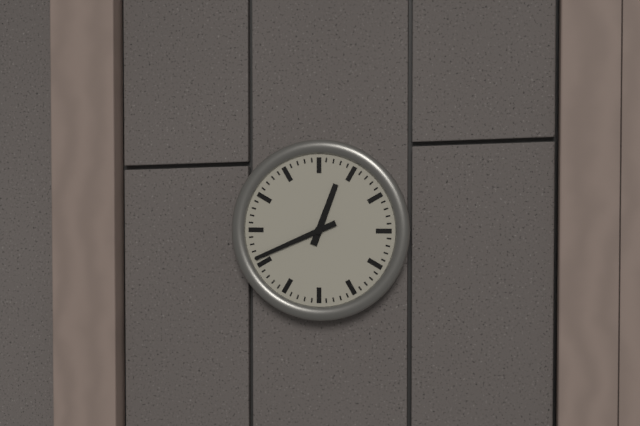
12:41
